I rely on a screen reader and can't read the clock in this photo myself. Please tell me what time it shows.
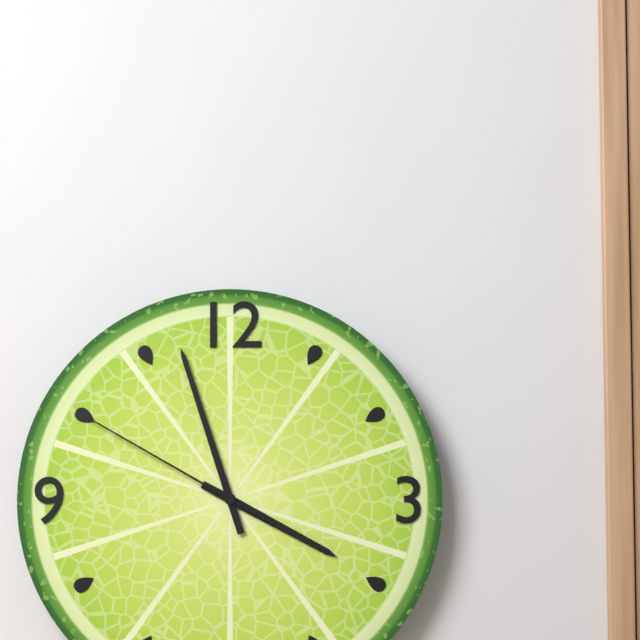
3:57:50
